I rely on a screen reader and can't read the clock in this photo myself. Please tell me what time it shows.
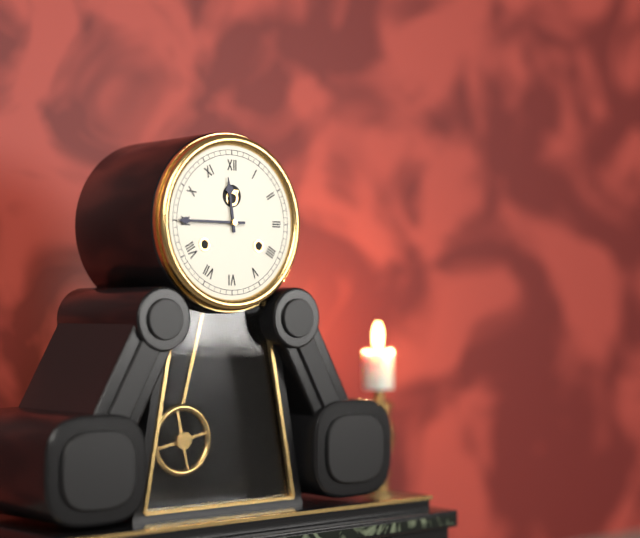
11:45
